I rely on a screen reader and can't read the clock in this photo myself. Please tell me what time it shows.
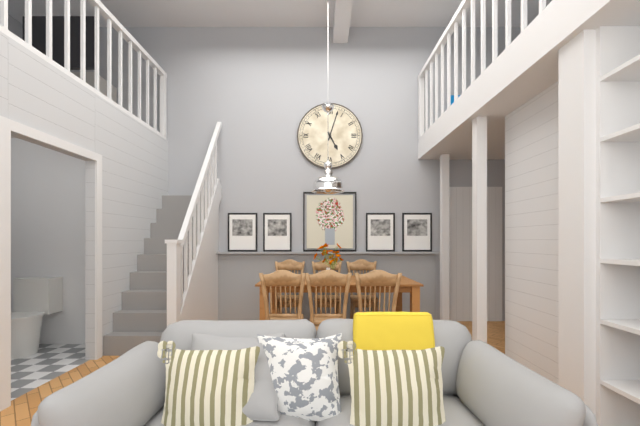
5:03
